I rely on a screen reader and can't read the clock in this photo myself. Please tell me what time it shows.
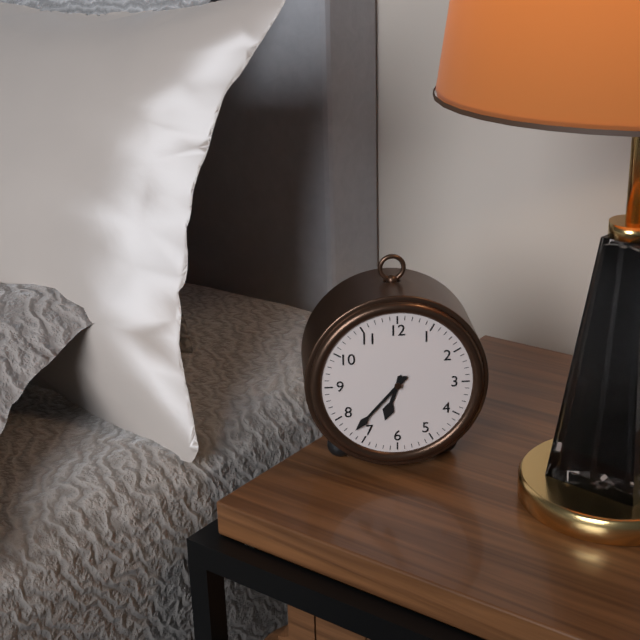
6:37
